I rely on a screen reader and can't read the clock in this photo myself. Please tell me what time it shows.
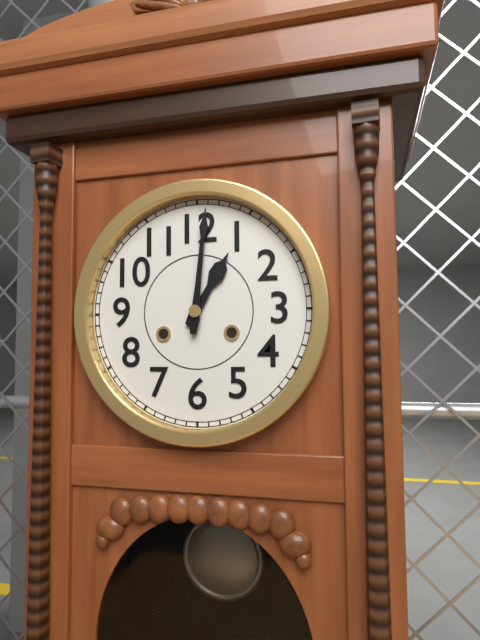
1:01
